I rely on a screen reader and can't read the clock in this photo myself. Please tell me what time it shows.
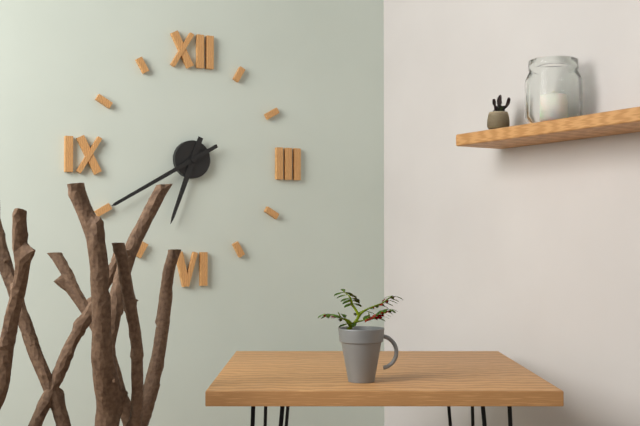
6:40
